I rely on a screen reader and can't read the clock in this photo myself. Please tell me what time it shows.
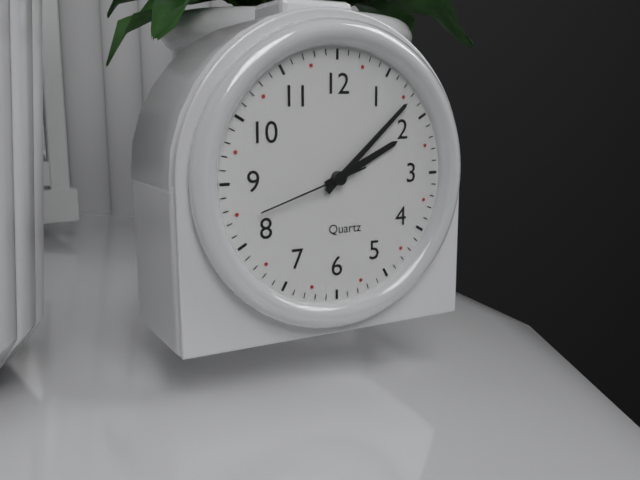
2:08:42
